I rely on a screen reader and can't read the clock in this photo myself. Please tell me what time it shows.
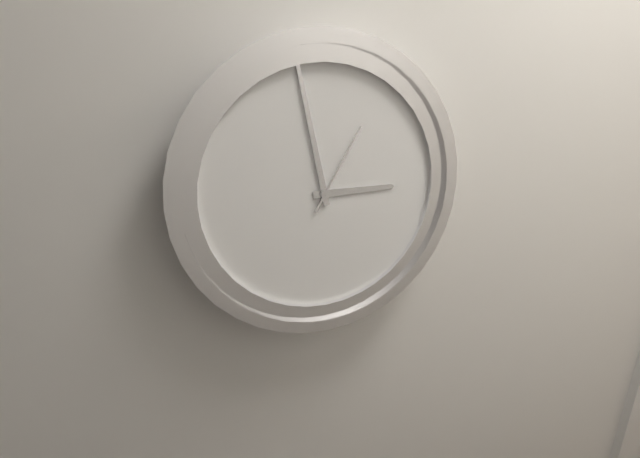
2:58:05
